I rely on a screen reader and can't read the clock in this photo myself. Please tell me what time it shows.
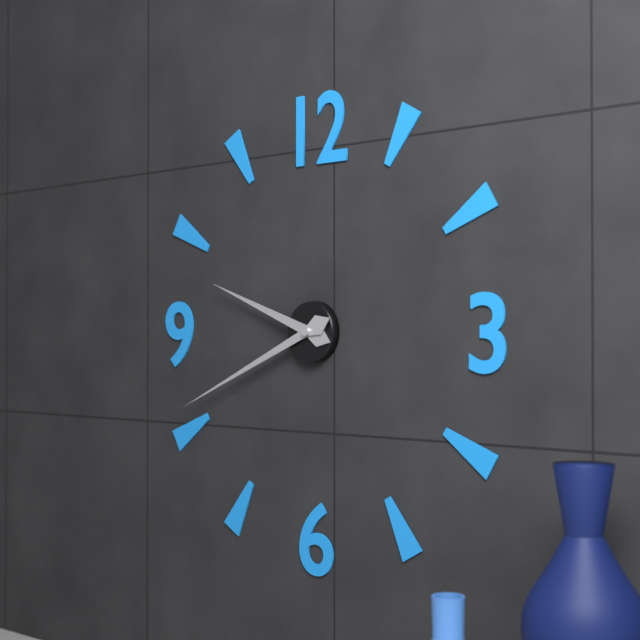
9:41
